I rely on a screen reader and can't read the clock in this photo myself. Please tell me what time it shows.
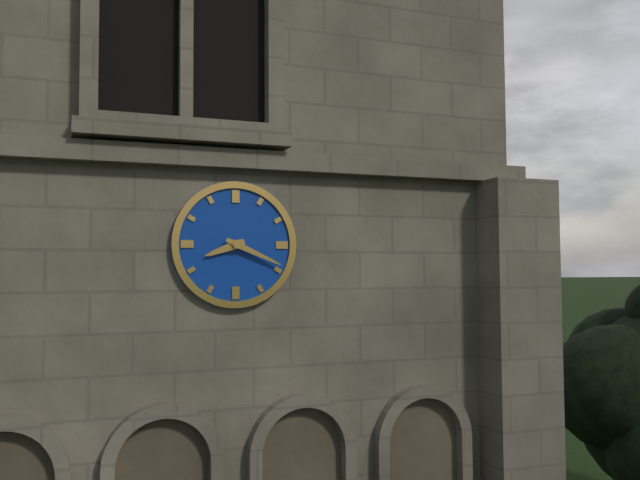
8:19
